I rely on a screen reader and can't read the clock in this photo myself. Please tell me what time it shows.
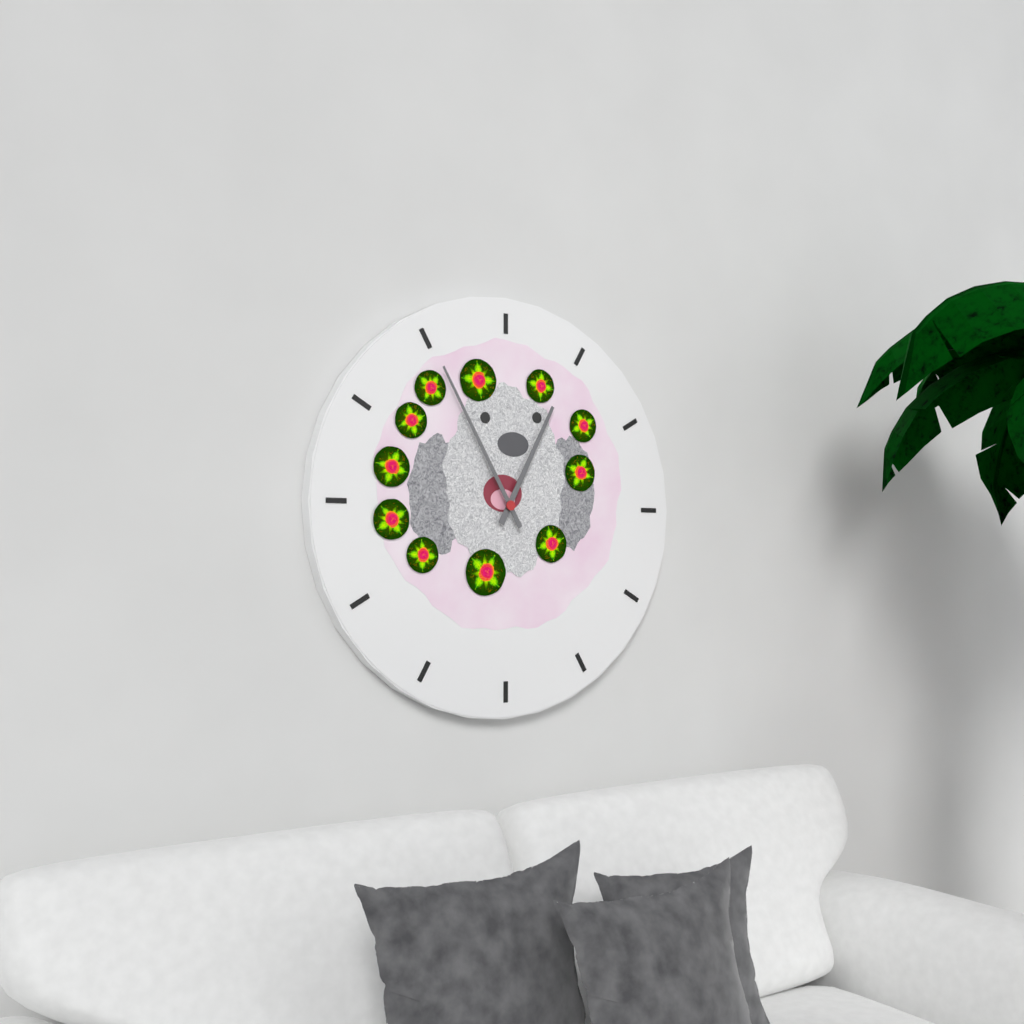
12:55
